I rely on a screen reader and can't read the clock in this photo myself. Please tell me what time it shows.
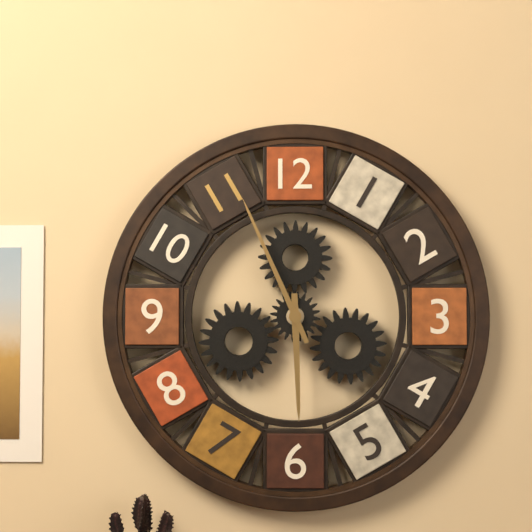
5:56
